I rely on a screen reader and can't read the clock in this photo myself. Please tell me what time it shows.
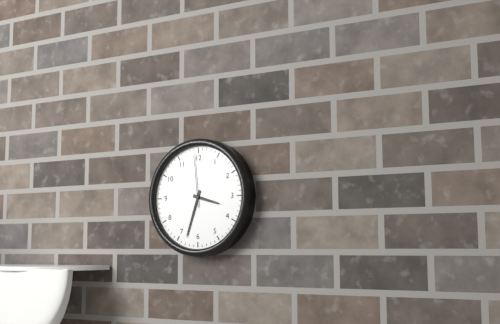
3:33:59
